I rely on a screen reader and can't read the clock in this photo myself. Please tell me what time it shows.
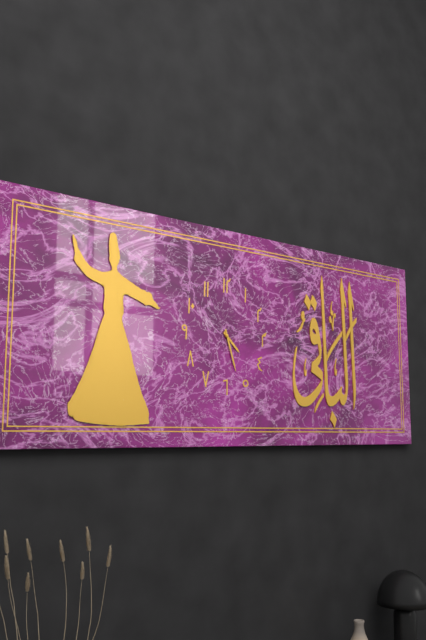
4:27
